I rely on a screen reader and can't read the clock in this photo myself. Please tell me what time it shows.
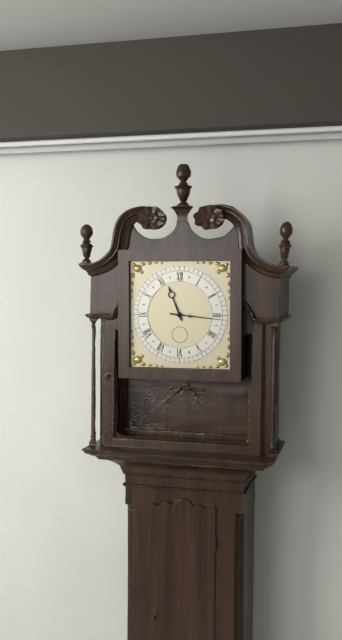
11:16
